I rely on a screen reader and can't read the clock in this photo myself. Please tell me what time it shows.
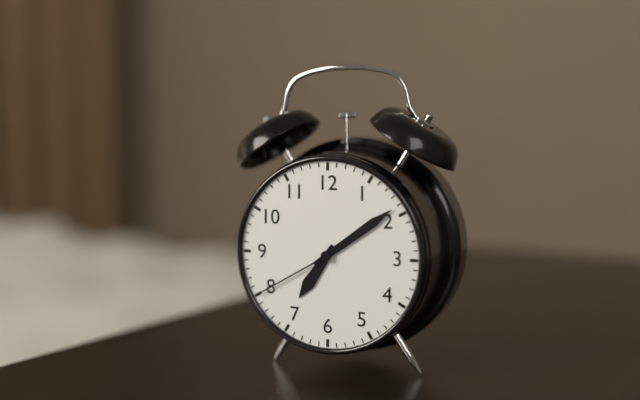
7:09:40
